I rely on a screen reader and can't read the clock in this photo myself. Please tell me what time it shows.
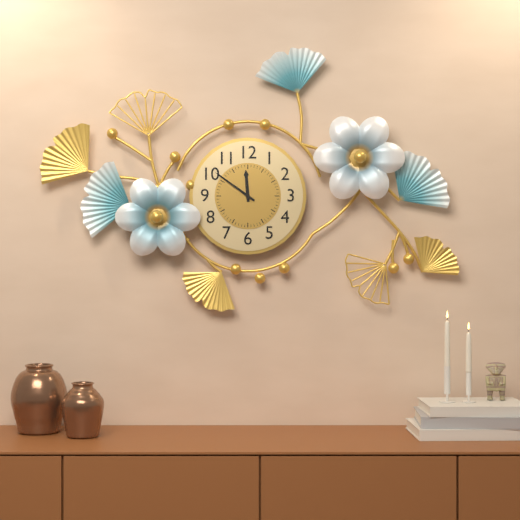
11:51
